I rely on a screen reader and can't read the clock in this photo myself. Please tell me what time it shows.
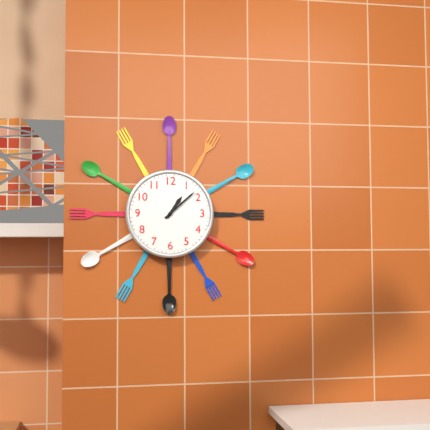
1:08
